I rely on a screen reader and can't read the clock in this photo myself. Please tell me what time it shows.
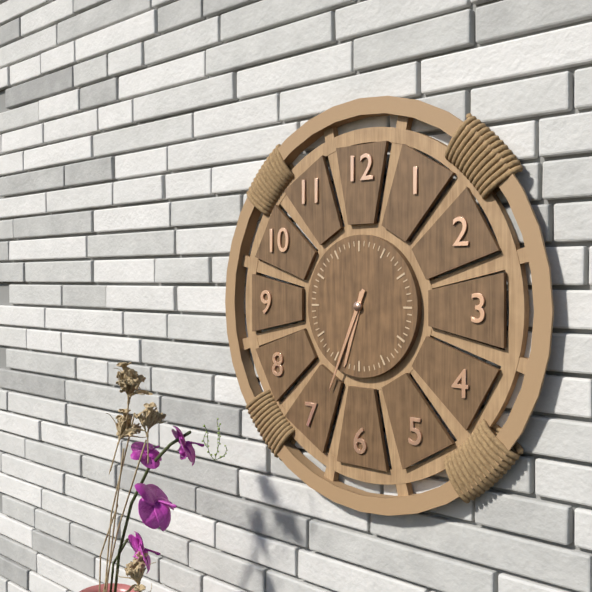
6:34
